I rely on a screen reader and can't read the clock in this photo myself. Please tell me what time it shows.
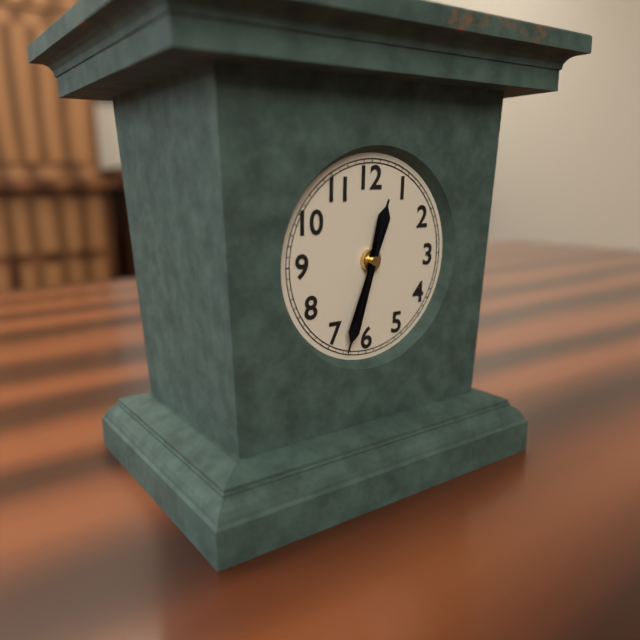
12:33
